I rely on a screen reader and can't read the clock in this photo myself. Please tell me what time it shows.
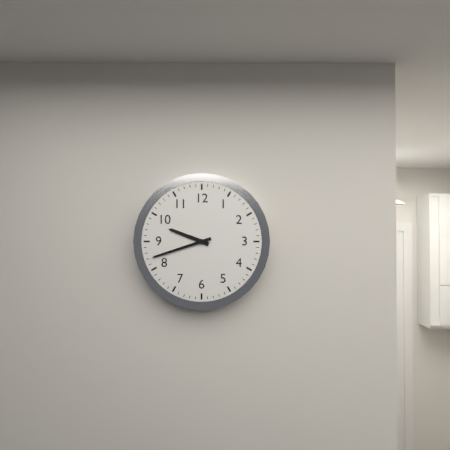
9:42
